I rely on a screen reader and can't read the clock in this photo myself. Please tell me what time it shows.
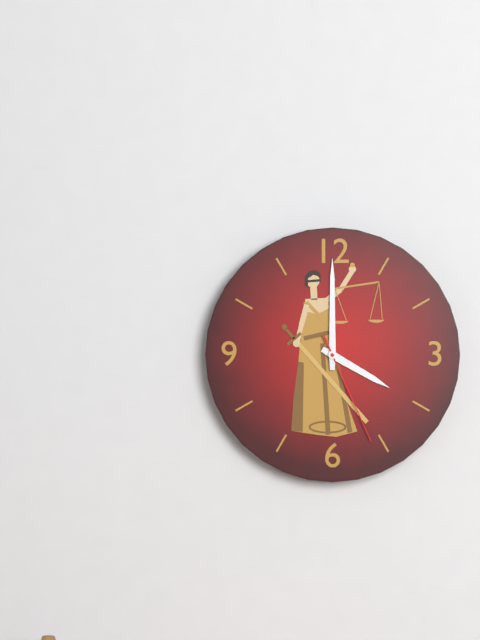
4:00:26
